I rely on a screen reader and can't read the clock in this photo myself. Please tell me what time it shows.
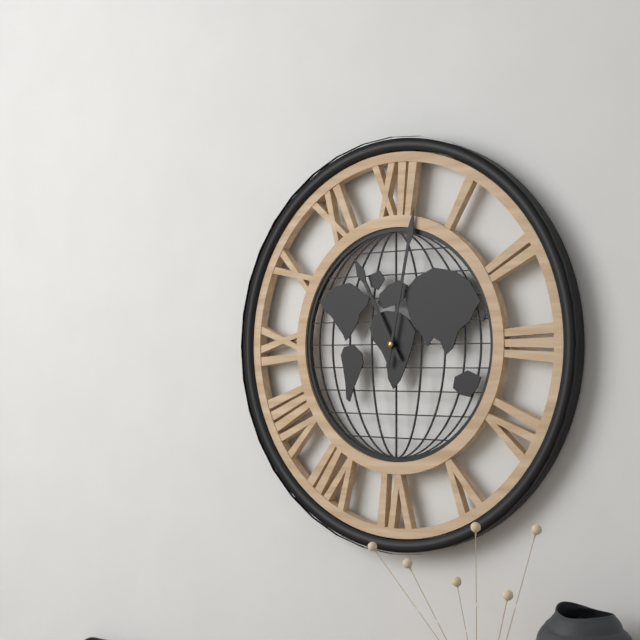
11:02
